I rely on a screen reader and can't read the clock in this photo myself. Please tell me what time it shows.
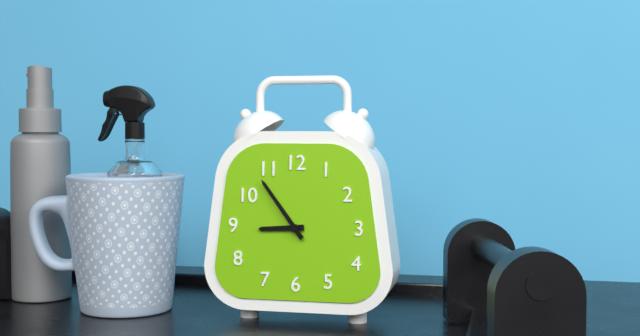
8:54
